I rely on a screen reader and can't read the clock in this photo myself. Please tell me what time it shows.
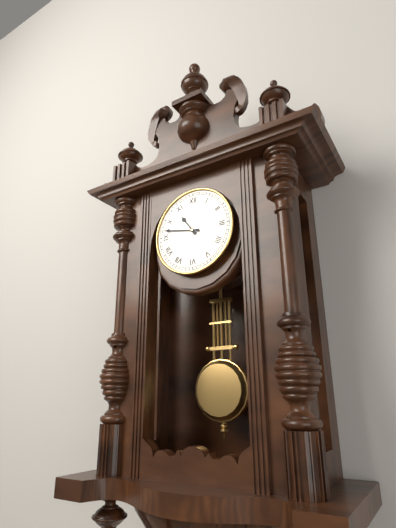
10:47
